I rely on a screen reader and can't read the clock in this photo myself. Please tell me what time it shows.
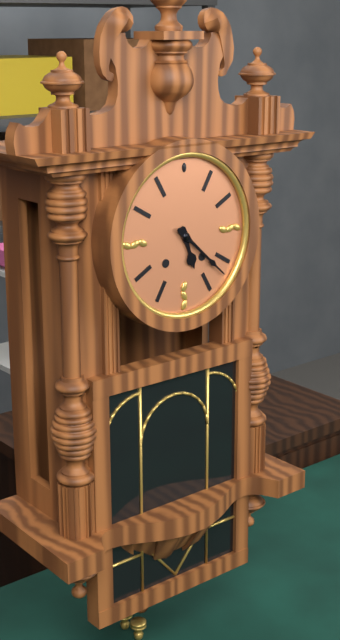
5:22
